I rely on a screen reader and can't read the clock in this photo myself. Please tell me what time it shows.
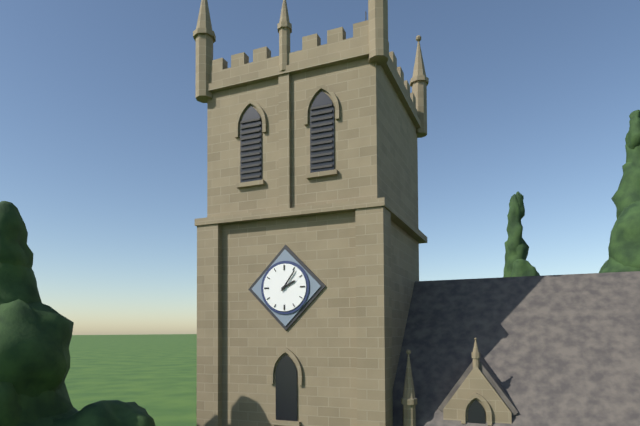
2:06
